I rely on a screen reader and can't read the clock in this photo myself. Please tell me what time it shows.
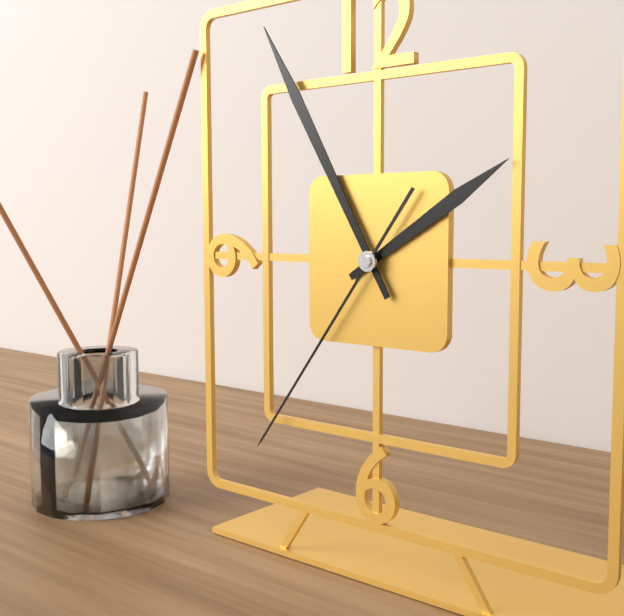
1:55:36
